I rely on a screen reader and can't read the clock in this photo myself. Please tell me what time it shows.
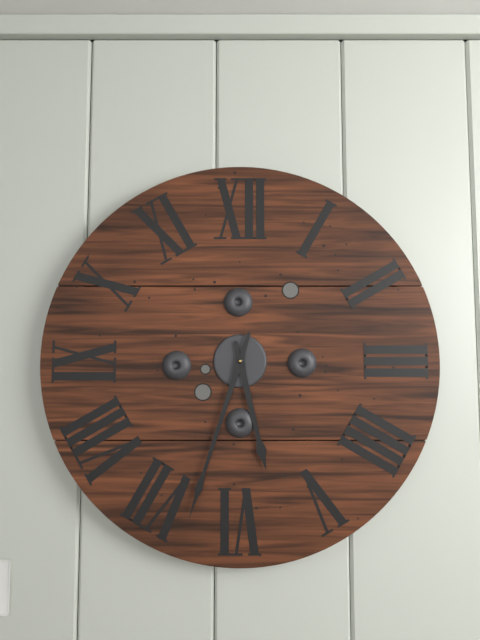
5:33
